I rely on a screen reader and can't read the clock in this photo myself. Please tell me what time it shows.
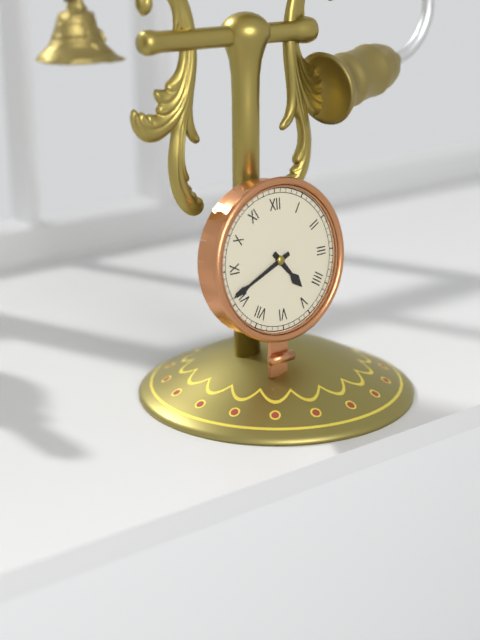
4:41
